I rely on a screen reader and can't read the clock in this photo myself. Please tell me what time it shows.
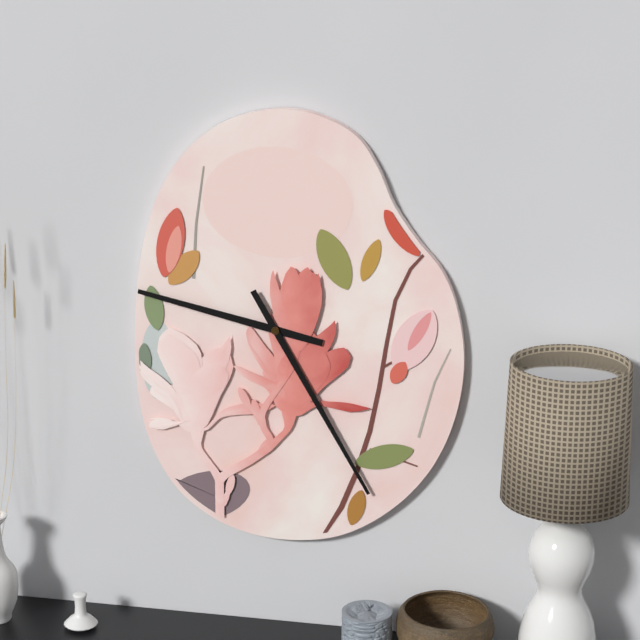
9:25
